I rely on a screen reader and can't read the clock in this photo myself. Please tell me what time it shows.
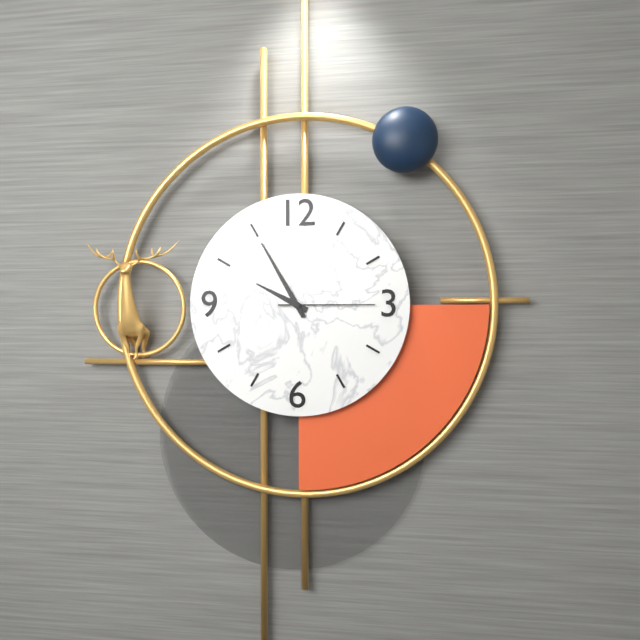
9:55:15
